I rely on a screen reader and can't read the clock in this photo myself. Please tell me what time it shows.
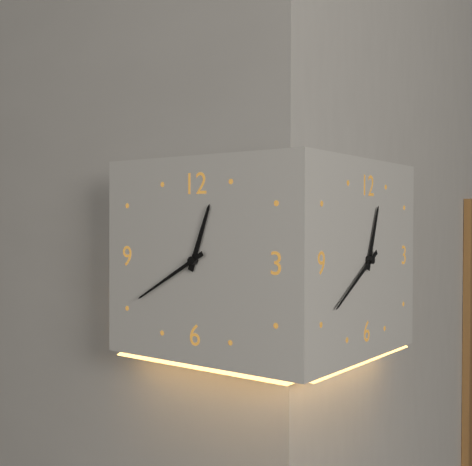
12:40
